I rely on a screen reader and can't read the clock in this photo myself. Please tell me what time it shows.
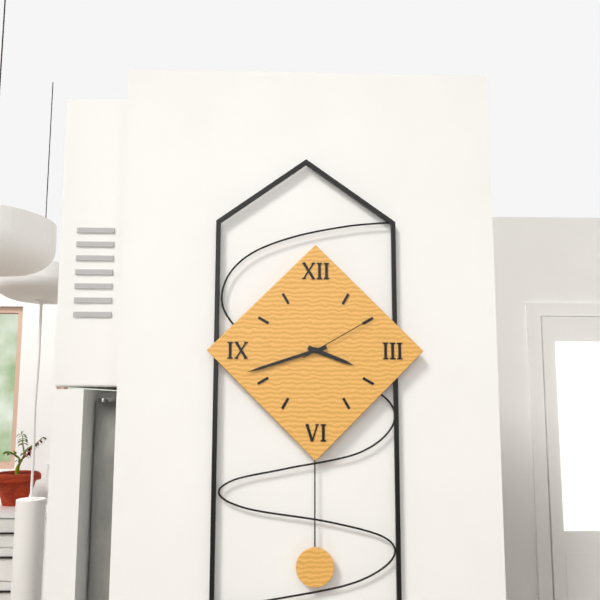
3:42:10
